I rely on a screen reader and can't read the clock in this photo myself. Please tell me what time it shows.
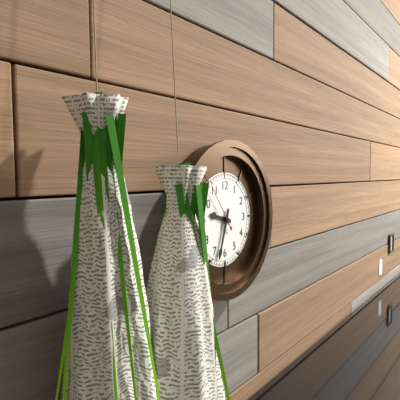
9:33
